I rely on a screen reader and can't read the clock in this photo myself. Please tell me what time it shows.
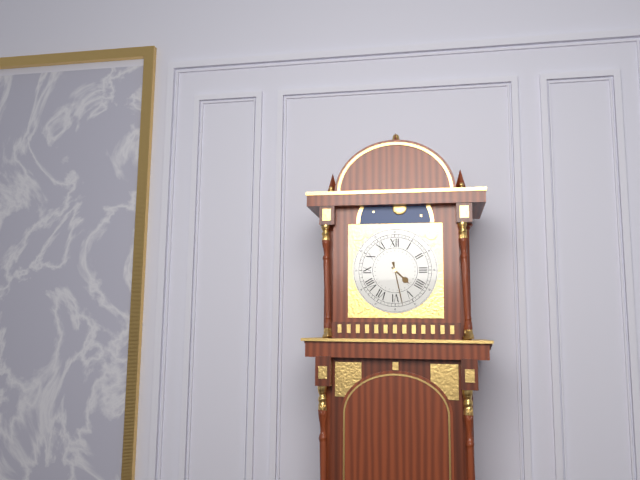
4:28
